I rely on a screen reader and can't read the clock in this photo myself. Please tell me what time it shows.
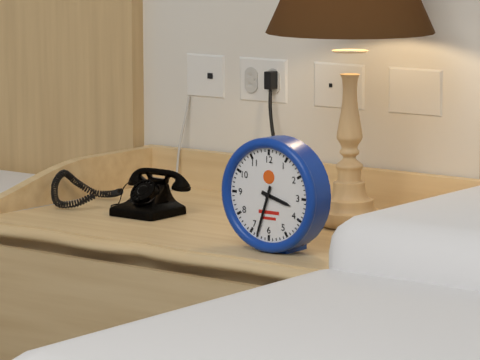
3:33
